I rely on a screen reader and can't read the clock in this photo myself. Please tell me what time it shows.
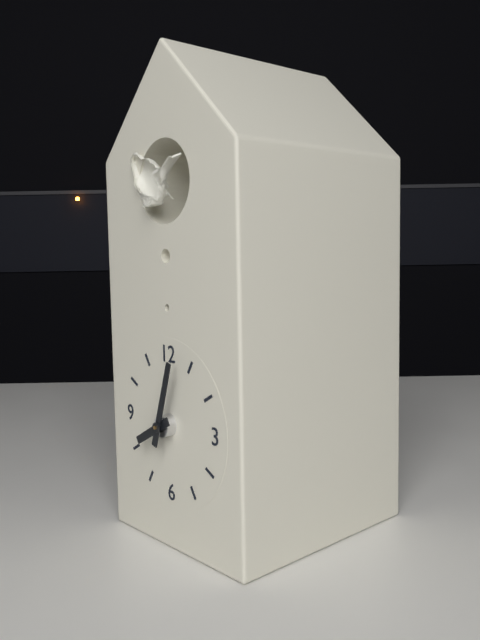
8:03
